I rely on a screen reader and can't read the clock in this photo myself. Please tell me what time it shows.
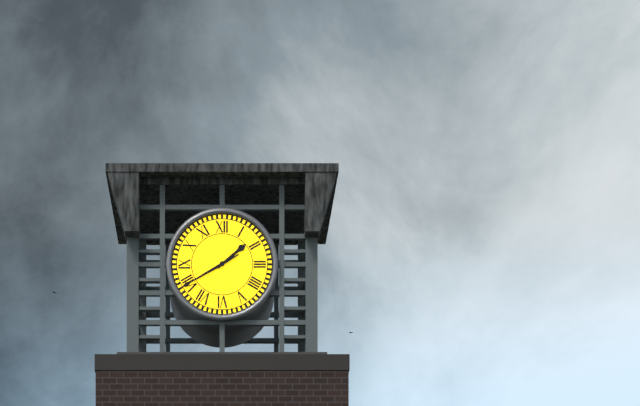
1:40
